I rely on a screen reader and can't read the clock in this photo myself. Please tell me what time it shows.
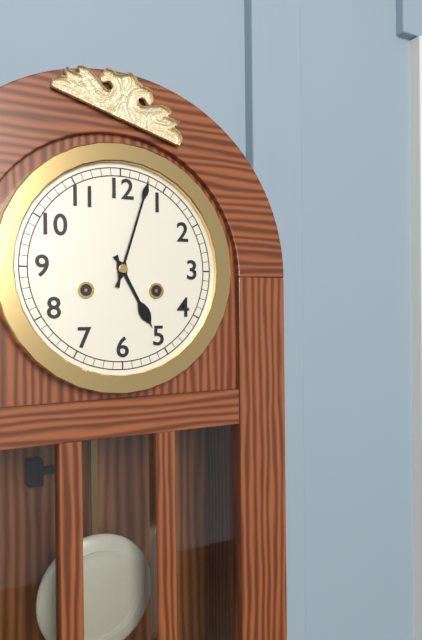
5:03
